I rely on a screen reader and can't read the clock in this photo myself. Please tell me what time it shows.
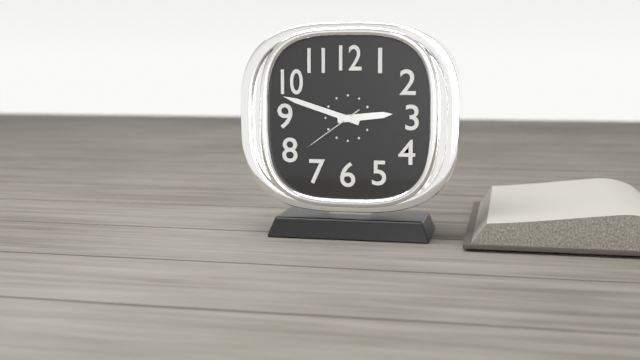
2:48:39
